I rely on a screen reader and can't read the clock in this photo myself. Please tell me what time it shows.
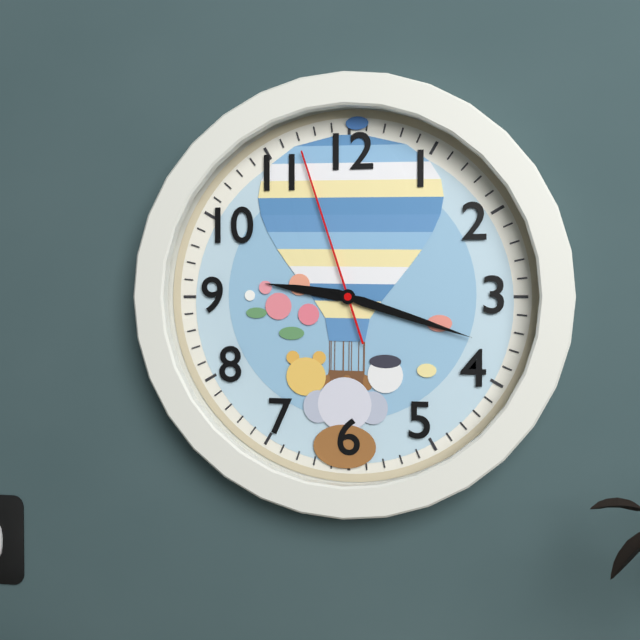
9:18:57
